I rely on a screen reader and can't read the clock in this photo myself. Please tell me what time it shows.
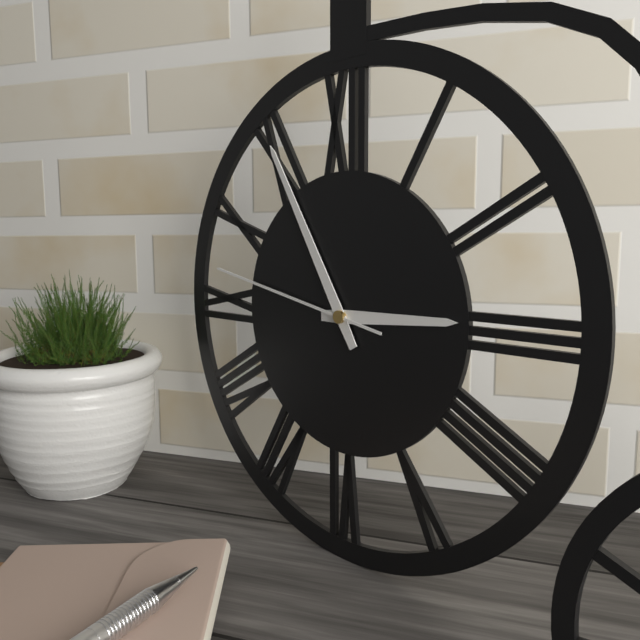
2:55:47
